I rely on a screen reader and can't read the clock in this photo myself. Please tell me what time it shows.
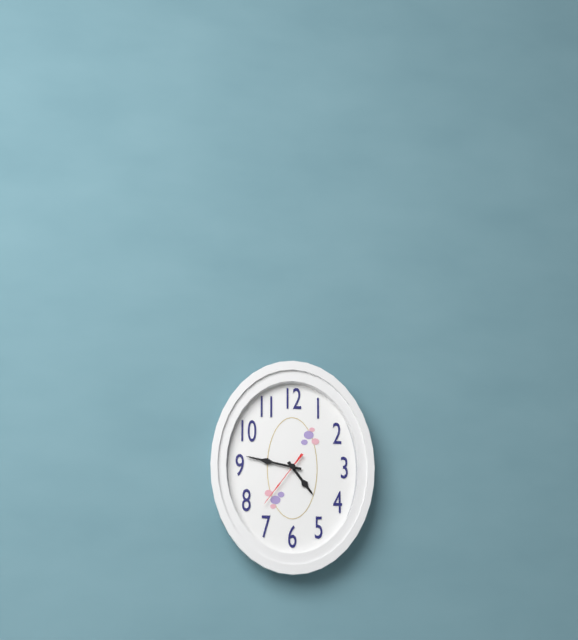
4:47:36
